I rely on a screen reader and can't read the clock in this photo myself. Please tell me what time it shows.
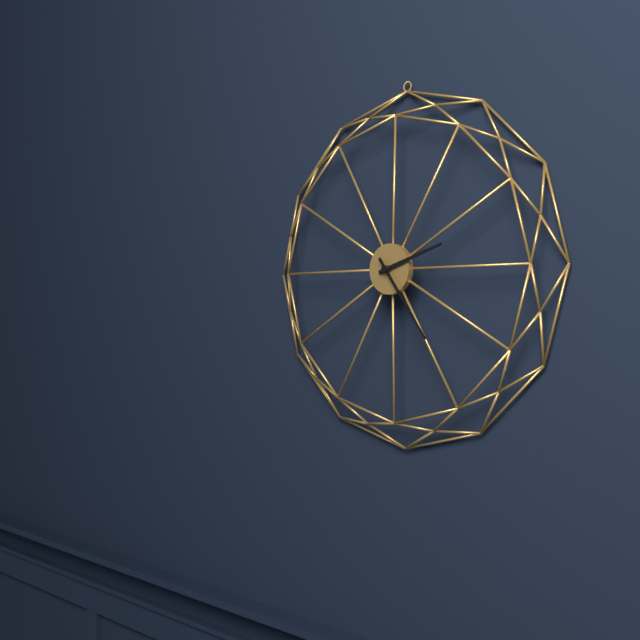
2:24
